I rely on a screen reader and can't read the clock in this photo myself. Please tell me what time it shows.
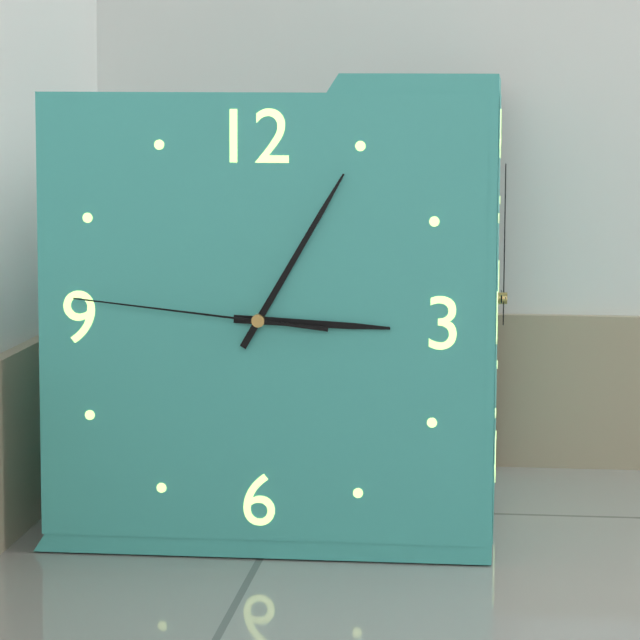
3:05:46
